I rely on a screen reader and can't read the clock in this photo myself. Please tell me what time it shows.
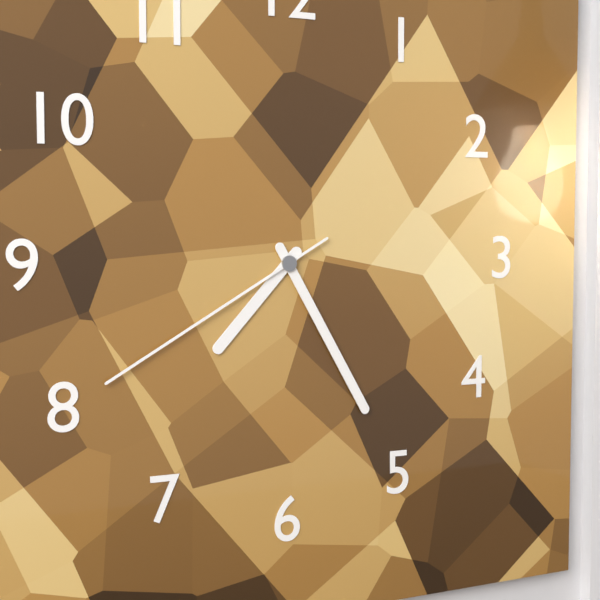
7:25:40
